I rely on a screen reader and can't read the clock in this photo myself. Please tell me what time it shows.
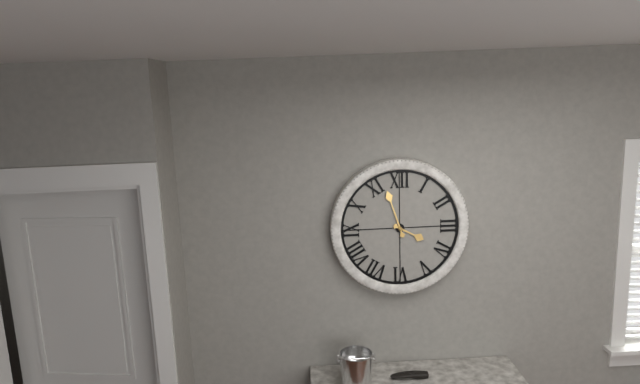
3:57
